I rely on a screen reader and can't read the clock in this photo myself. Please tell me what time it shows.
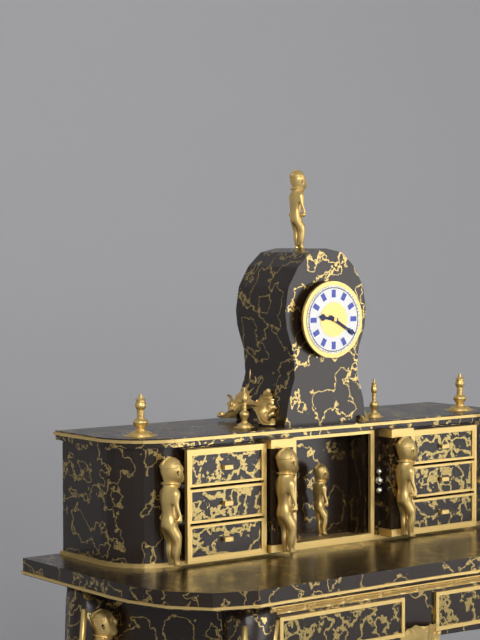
9:20
